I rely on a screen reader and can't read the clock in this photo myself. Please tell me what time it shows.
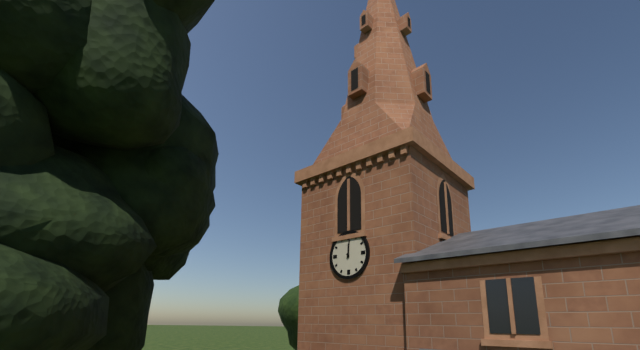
12:01
